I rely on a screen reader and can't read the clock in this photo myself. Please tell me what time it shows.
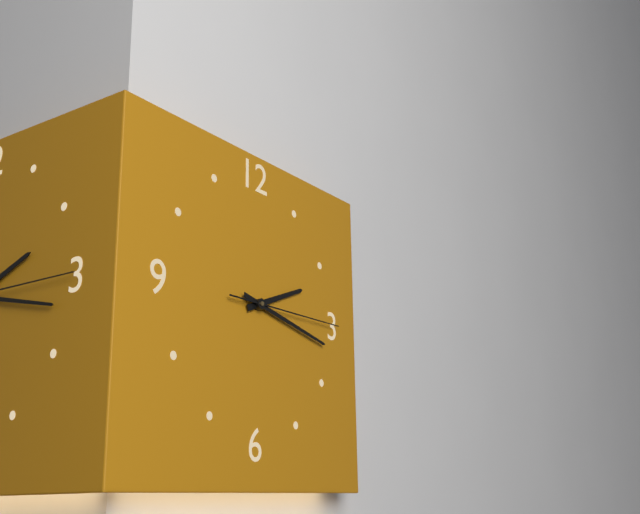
2:17:15
